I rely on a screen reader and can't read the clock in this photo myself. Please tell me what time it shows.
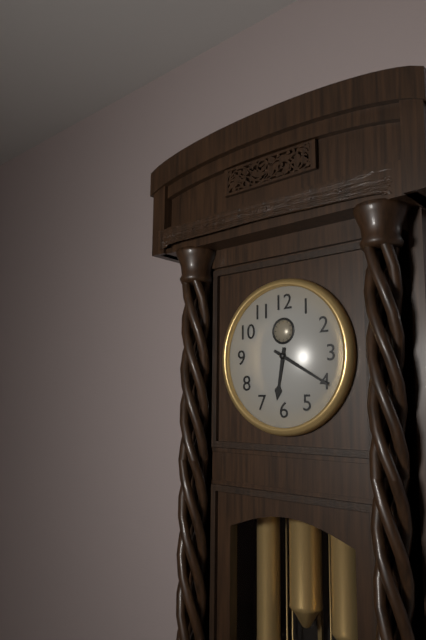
6:20
